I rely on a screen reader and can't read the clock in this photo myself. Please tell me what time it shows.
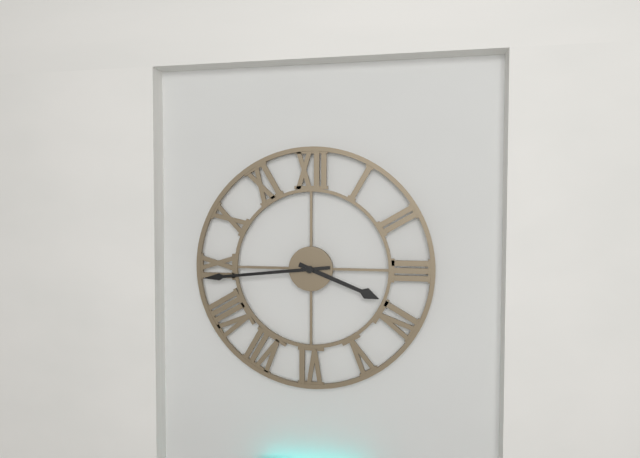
3:44
